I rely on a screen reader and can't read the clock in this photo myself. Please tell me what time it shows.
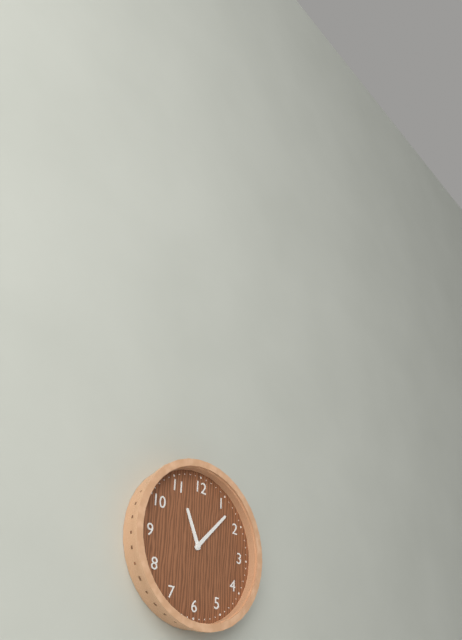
11:07
